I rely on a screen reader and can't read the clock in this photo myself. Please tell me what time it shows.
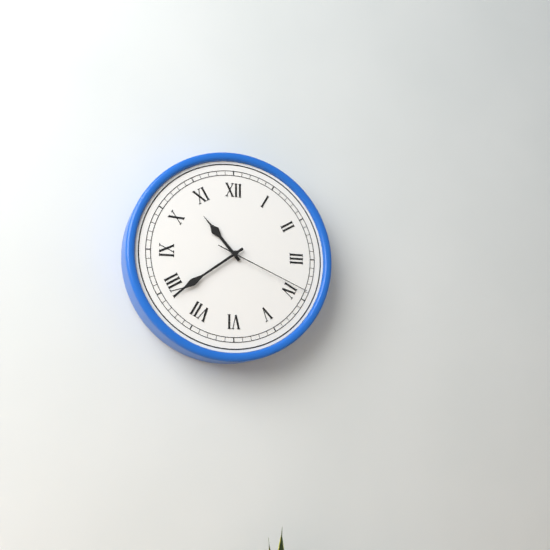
10:39:19
